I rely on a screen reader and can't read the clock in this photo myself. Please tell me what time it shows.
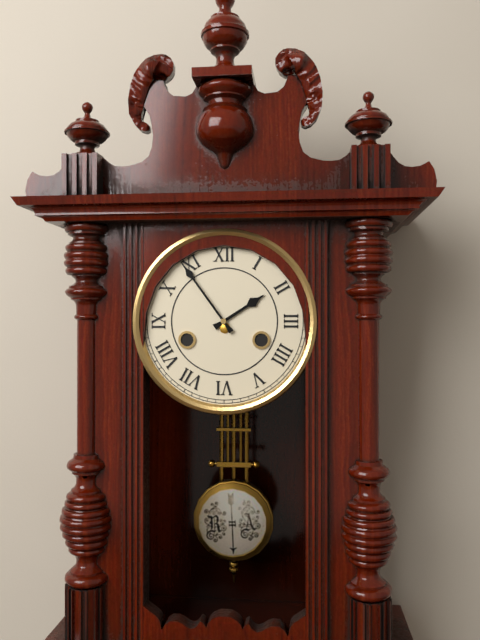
1:54
